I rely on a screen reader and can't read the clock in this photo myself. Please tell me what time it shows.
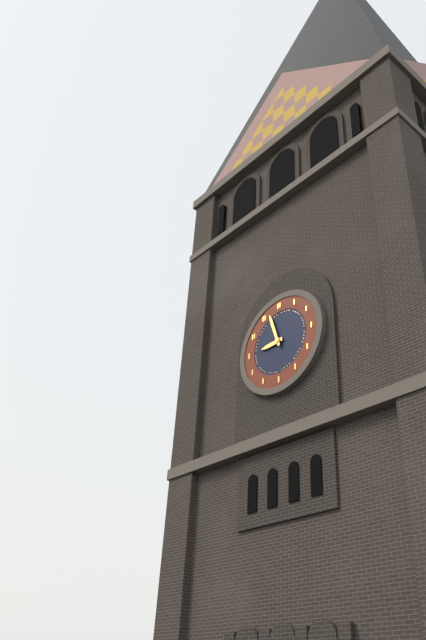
8:57
